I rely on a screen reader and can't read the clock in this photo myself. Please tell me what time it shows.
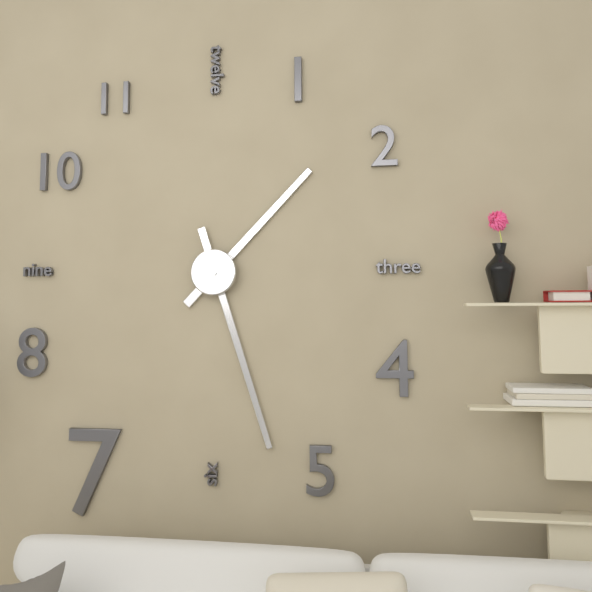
1:27
